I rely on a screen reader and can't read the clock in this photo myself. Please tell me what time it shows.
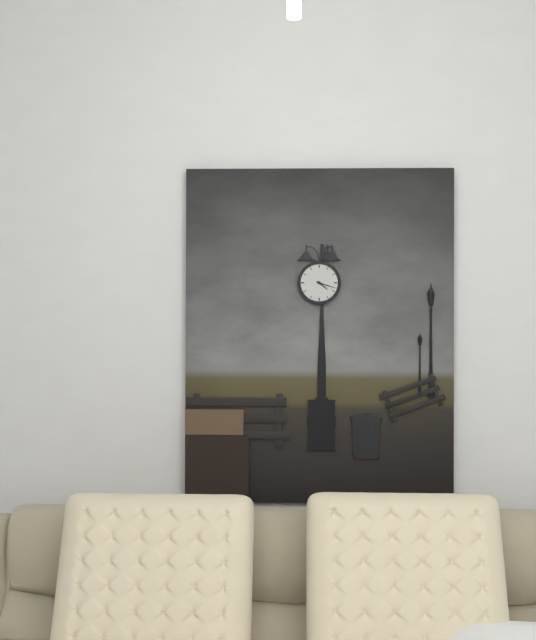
4:18
